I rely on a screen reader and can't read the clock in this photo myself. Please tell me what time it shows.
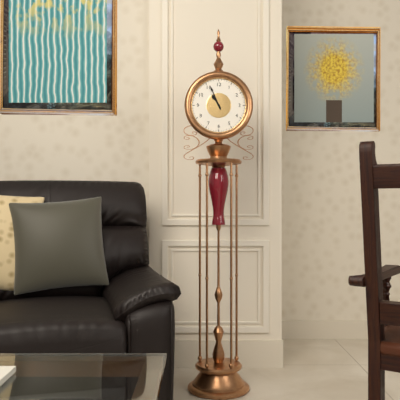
10:56
